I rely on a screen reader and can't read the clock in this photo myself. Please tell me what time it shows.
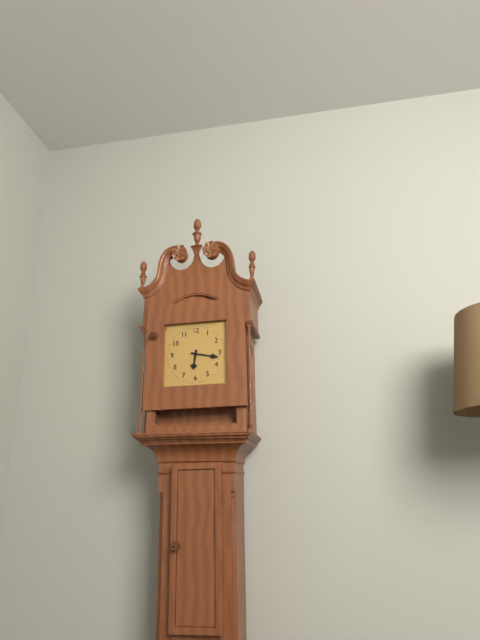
6:17
